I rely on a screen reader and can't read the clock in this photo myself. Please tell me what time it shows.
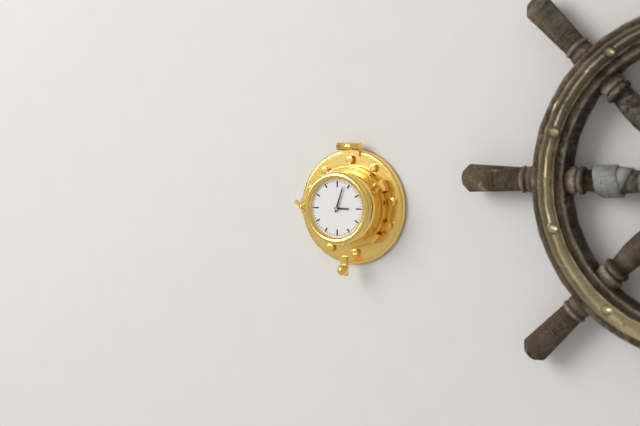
3:03
